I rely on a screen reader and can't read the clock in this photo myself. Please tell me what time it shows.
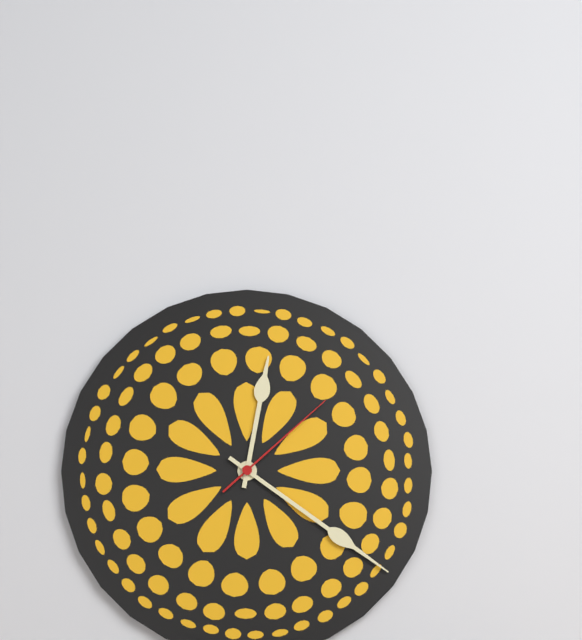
12:21:08
